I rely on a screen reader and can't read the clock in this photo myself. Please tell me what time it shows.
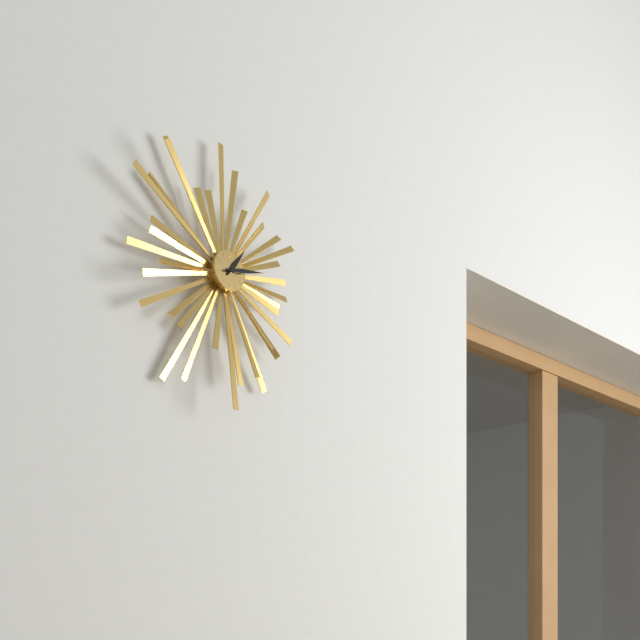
1:13
